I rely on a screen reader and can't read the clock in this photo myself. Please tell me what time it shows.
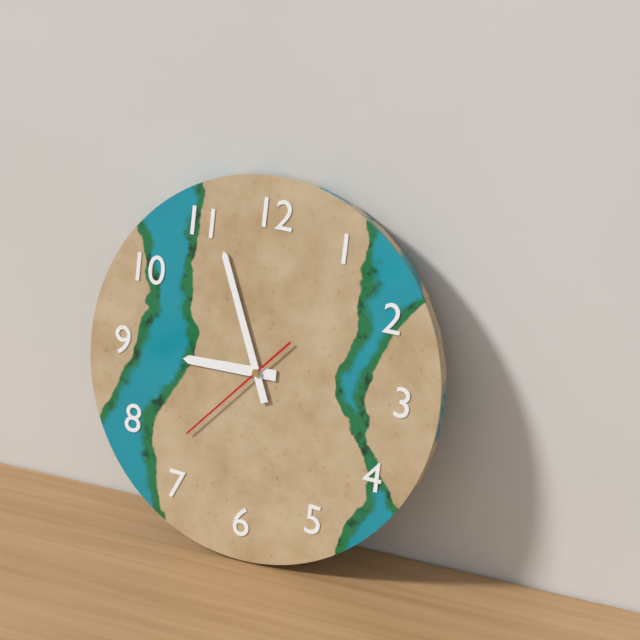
8:56:37
